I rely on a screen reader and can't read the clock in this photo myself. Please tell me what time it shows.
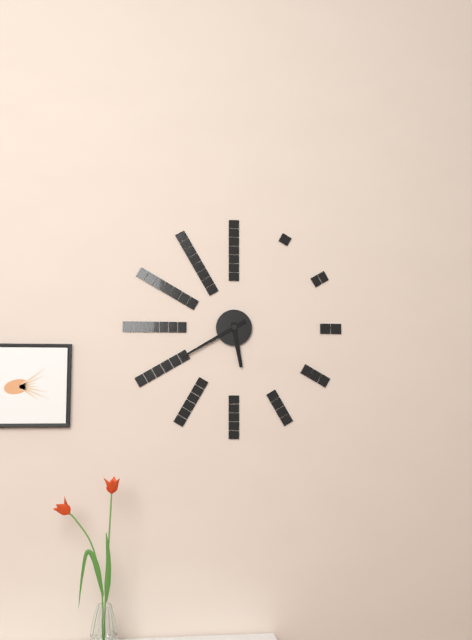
5:40
